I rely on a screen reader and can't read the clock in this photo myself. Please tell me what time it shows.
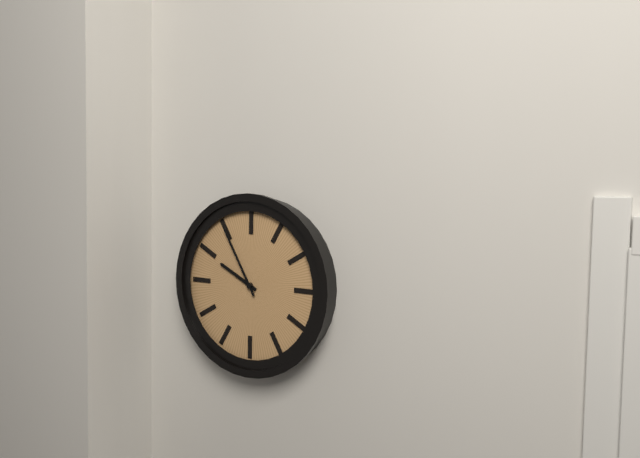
9:55
